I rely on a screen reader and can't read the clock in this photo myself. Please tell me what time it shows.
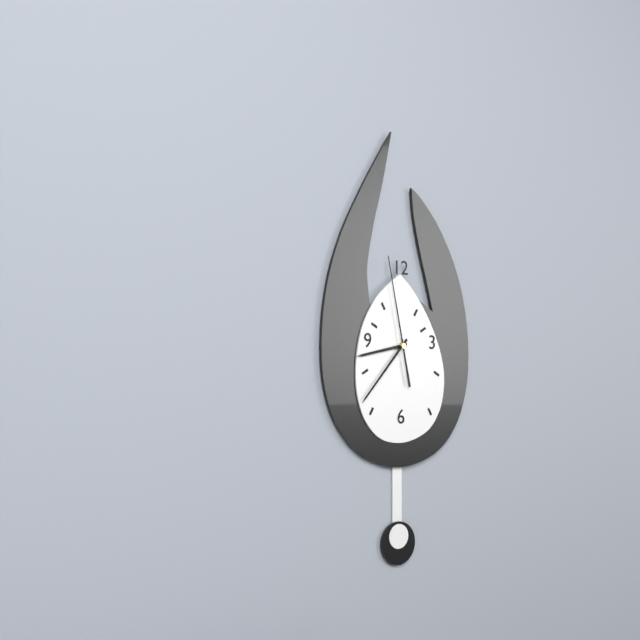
8:37:58
